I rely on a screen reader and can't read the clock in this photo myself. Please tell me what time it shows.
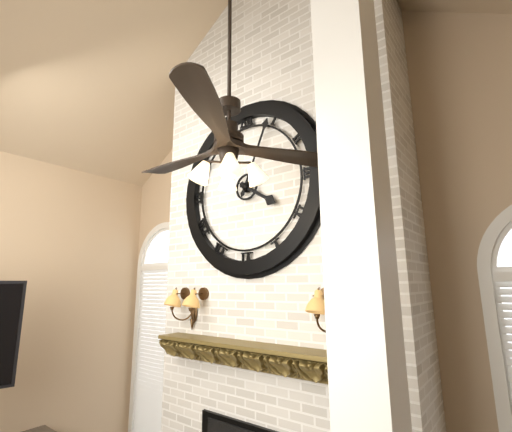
4:04
